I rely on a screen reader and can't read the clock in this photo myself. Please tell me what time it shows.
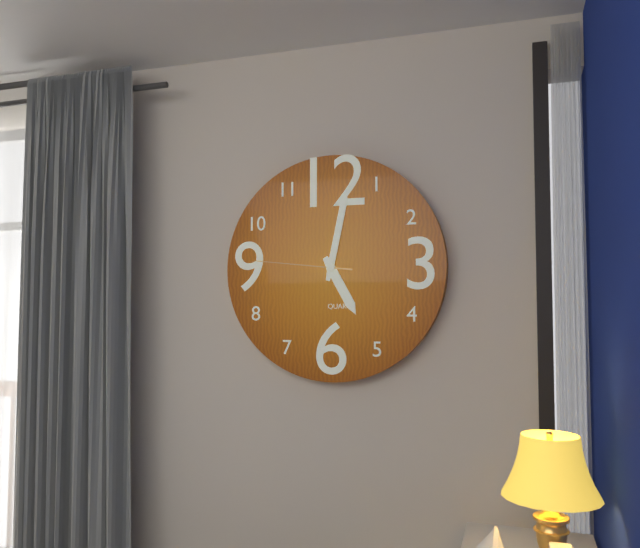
5:02:46
